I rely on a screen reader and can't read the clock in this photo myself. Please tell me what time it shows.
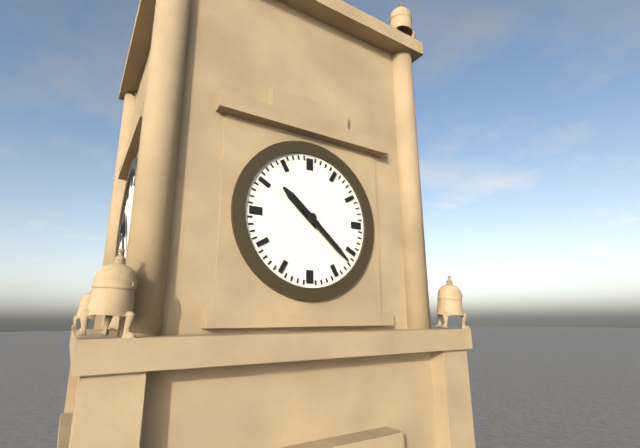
10:22
